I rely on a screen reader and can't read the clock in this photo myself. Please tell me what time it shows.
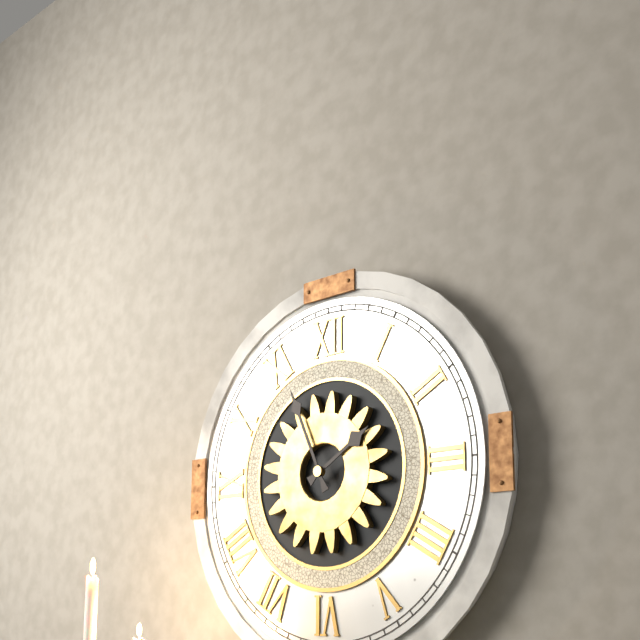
1:56
